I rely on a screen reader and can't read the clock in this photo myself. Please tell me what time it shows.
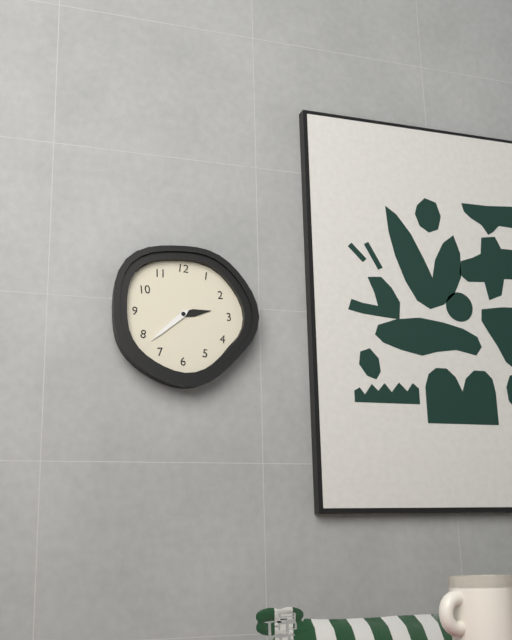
2:38
